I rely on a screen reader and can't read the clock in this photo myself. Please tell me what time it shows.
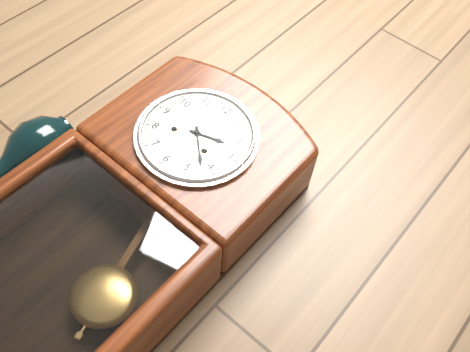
2:22
